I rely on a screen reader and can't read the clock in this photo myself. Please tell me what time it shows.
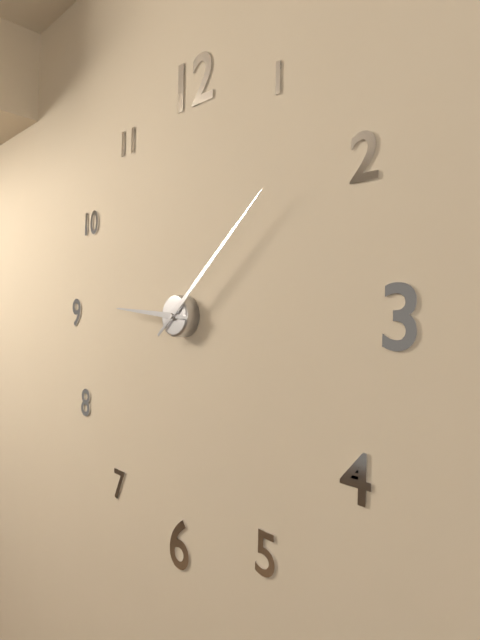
9:08
